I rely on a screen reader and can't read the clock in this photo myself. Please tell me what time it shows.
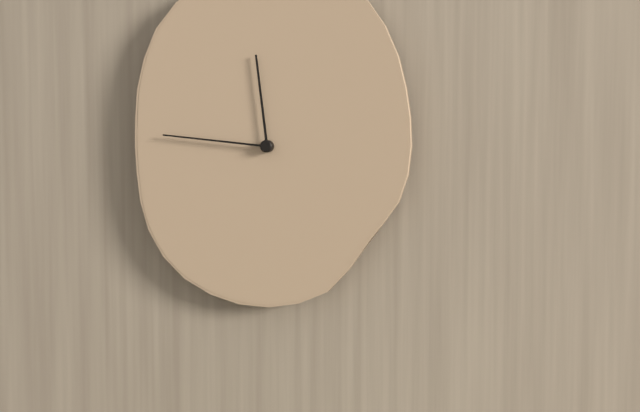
11:46
